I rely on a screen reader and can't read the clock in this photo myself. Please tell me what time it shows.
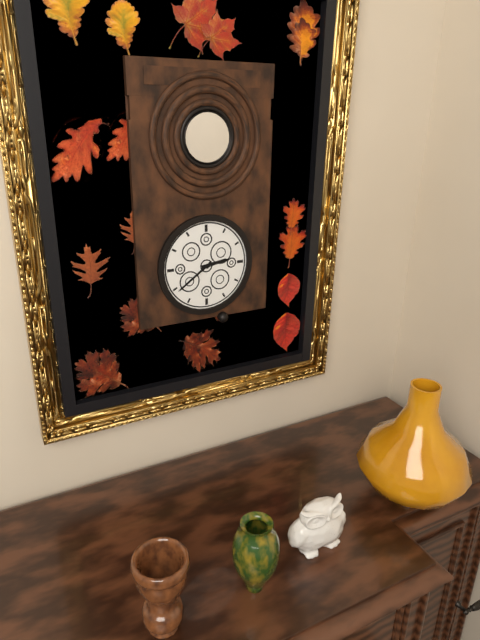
2:39
